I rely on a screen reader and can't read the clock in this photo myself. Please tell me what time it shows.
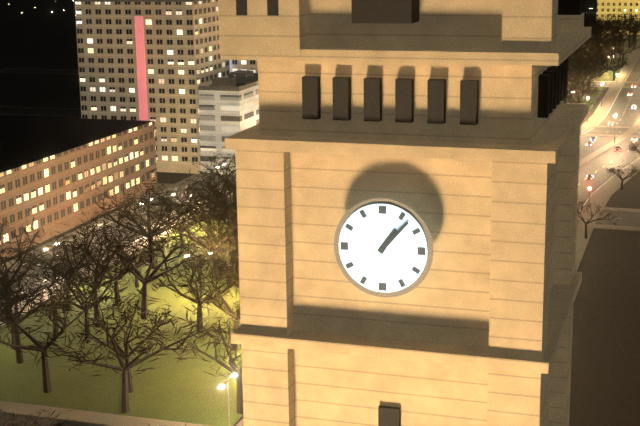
1:07
